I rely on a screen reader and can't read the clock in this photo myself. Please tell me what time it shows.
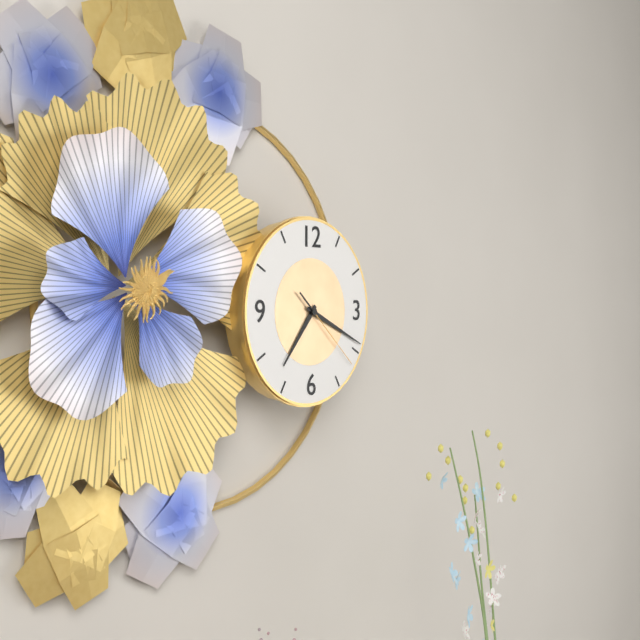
7:19:22
